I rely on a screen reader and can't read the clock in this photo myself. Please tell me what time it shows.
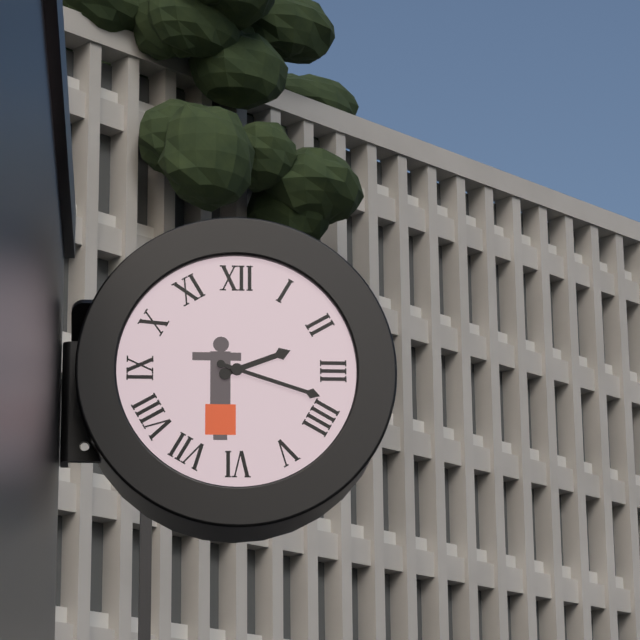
2:18
